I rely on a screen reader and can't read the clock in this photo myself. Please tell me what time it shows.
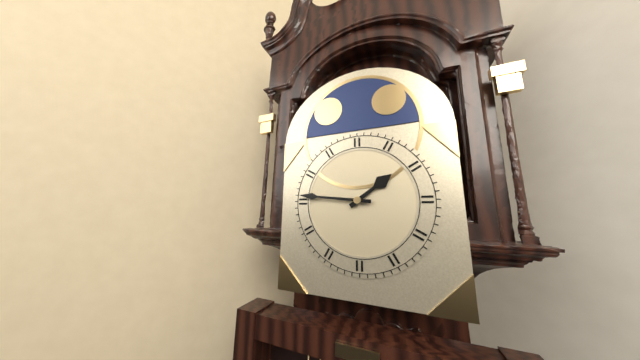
1:46
